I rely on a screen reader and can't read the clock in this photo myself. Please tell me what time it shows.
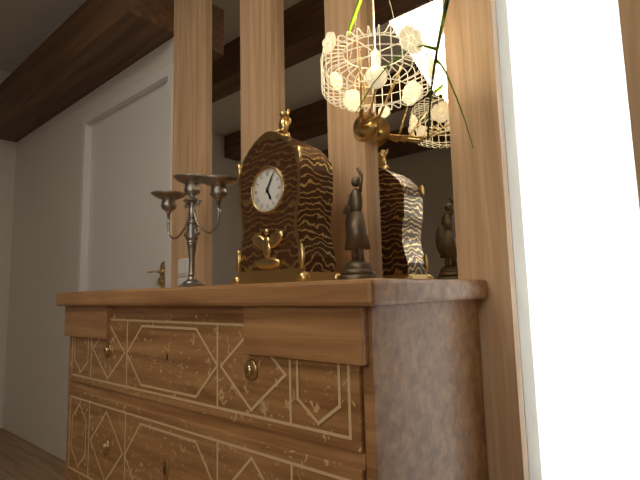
5:05
